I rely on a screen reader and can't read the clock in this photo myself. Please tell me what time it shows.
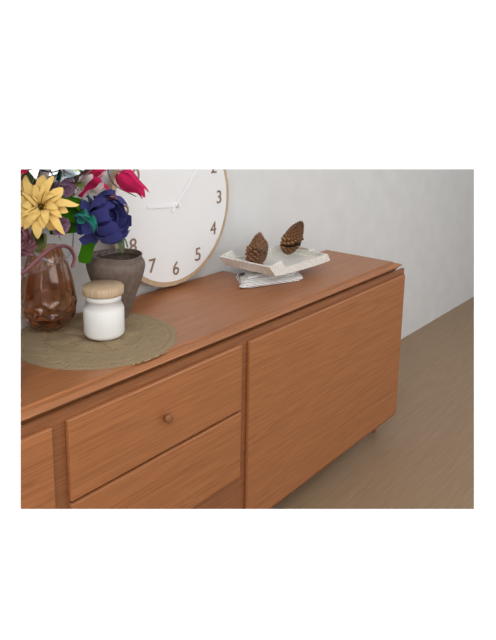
9:07
